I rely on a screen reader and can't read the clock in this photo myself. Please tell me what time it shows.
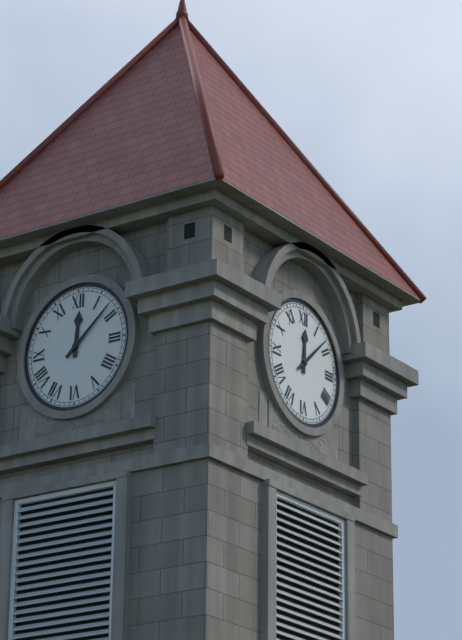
12:08
